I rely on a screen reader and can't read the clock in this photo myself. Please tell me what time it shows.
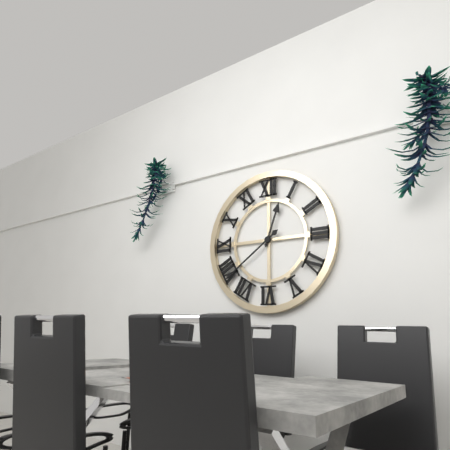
12:39
